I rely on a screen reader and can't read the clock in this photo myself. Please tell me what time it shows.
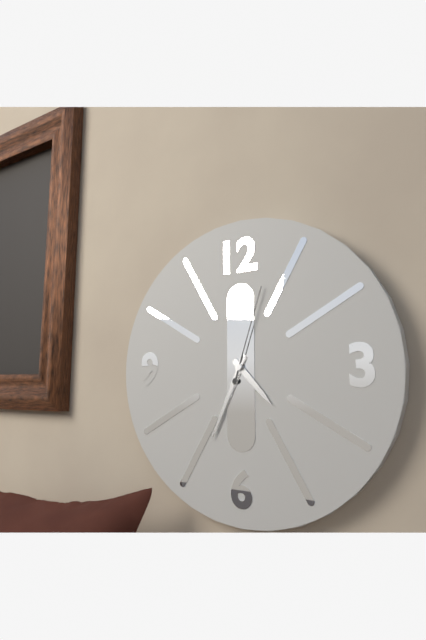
4:34:03
